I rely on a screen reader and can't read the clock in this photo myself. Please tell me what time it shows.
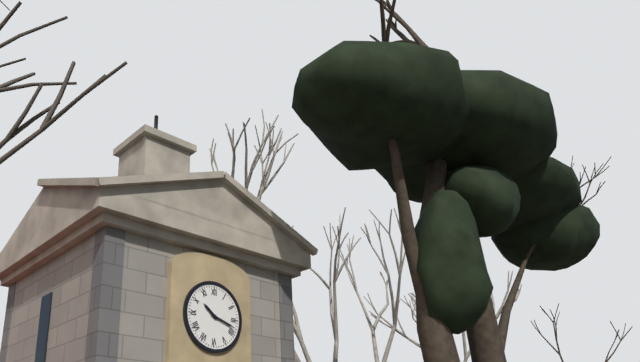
10:18
